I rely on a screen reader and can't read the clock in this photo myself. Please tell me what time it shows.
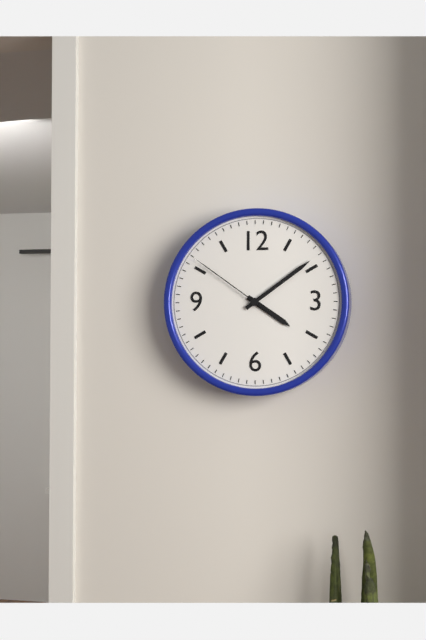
4:09:51
